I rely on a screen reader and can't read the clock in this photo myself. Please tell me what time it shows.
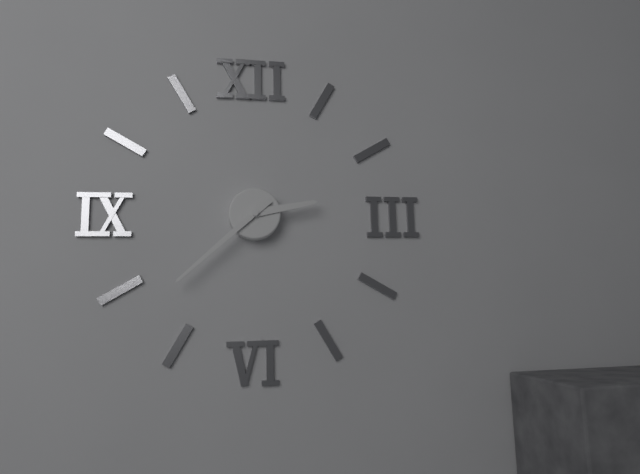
2:38
